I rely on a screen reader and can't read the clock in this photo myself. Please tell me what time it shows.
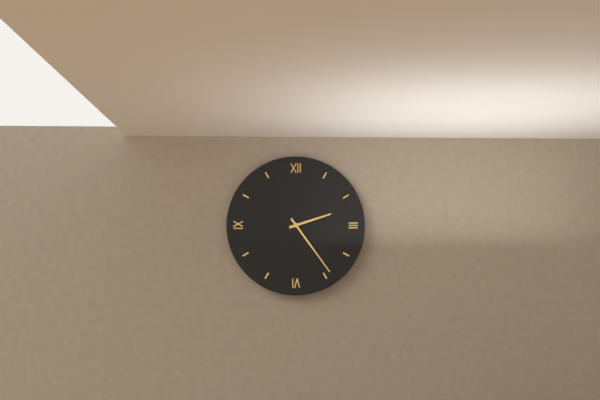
2:24
